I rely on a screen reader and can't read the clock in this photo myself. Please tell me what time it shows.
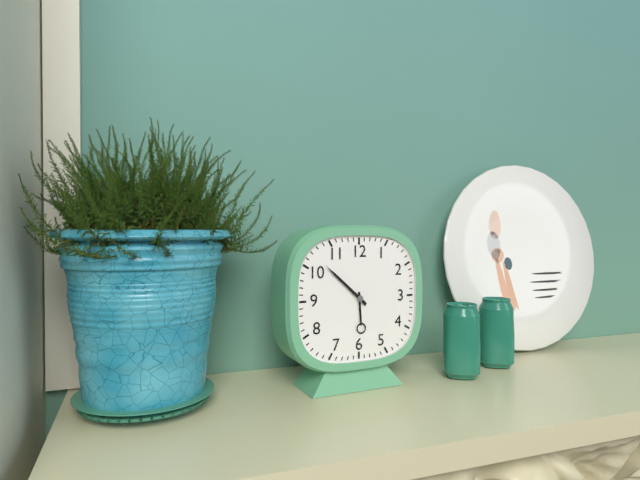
5:52
